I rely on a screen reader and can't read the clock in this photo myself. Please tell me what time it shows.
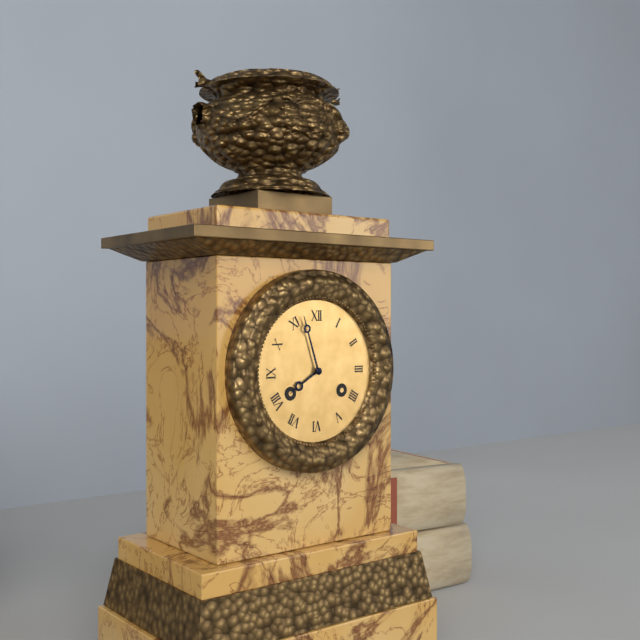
7:57
